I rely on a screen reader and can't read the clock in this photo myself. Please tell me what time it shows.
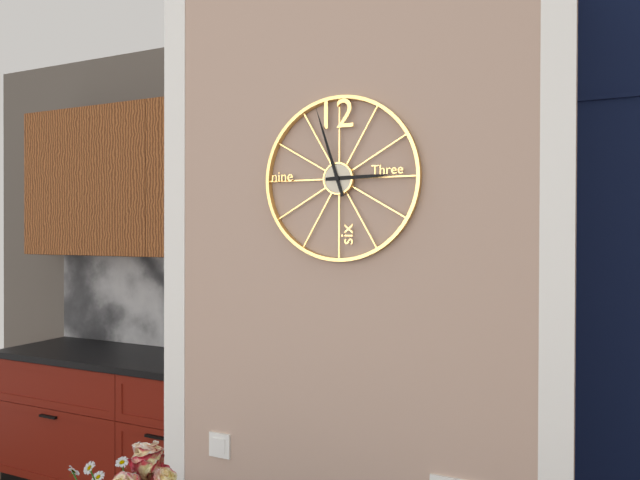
2:57
